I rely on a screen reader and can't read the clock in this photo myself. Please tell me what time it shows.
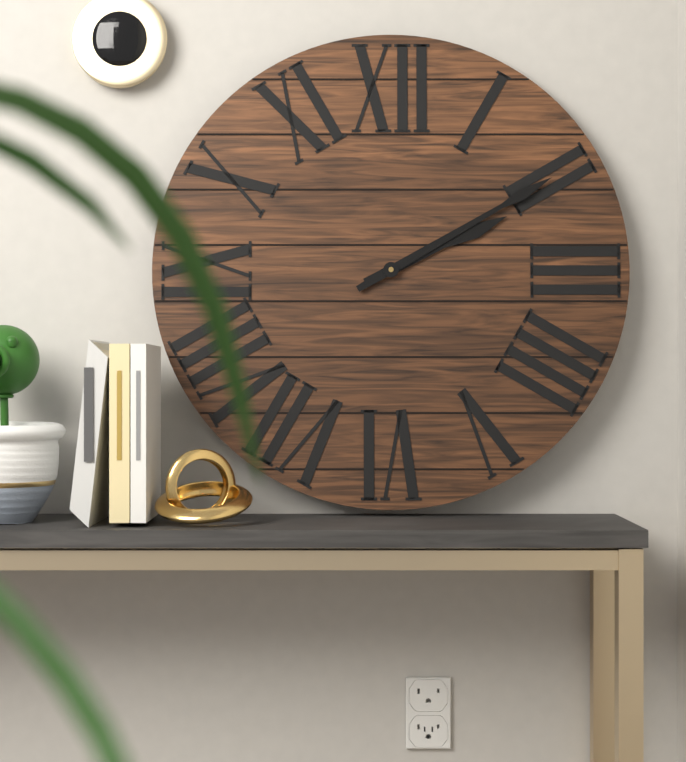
2:10
